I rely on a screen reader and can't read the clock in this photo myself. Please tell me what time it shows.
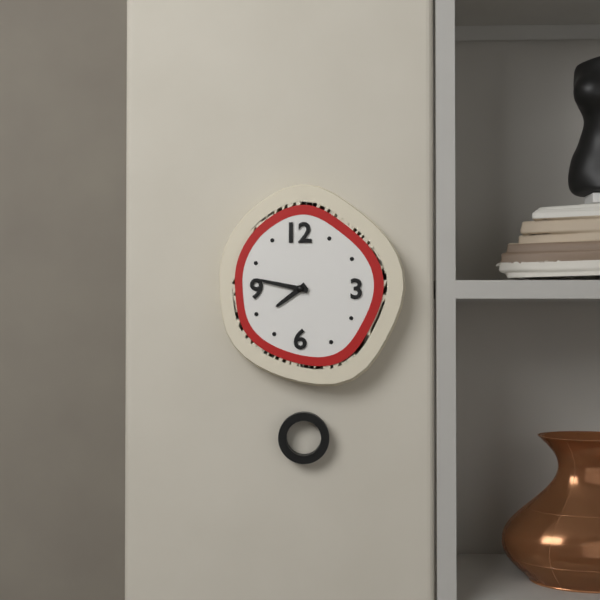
7:47
